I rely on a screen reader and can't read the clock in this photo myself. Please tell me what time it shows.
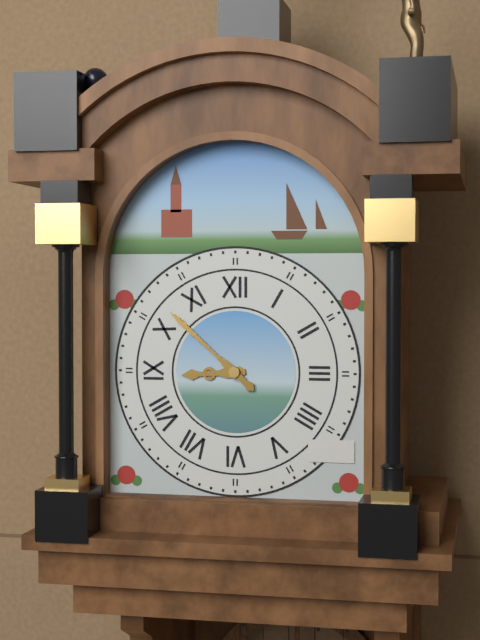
8:52
